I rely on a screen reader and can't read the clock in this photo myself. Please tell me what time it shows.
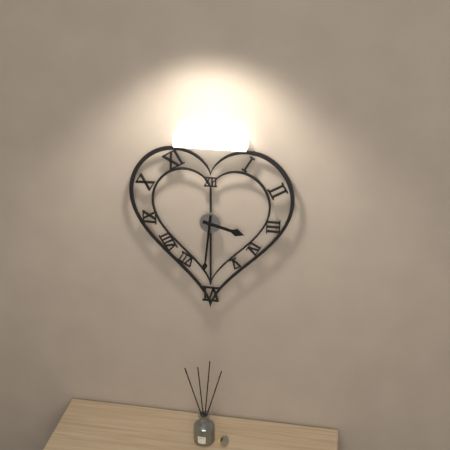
3:31
